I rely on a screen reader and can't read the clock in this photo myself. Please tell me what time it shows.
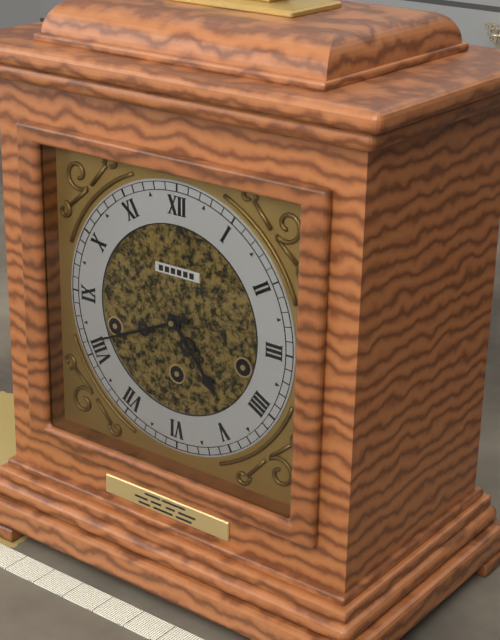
4:41
